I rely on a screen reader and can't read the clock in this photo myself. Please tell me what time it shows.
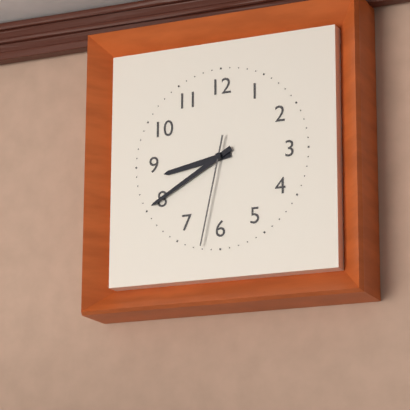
8:40:32
